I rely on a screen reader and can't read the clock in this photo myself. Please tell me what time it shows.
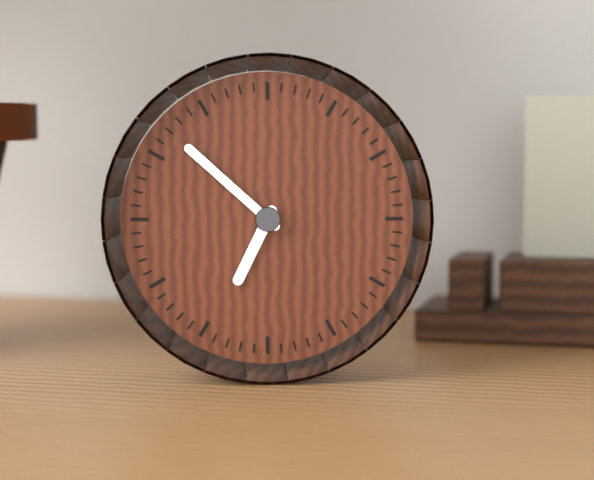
6:52
